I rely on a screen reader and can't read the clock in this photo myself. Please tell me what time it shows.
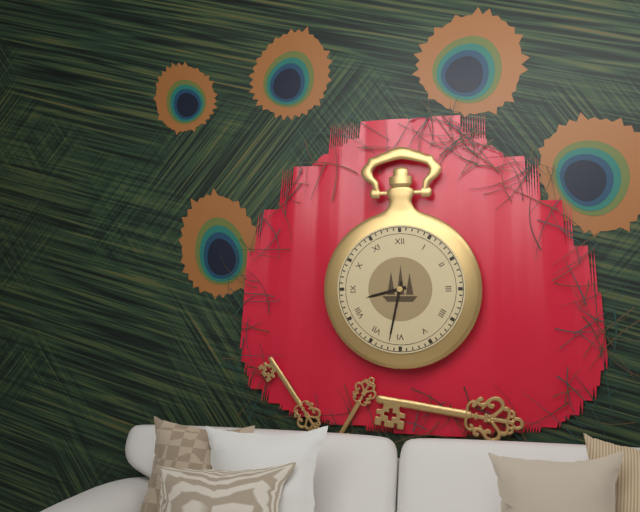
8:32
